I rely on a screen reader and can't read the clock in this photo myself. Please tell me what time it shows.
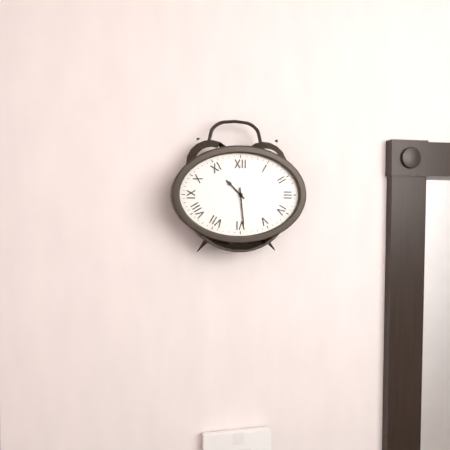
10:29
